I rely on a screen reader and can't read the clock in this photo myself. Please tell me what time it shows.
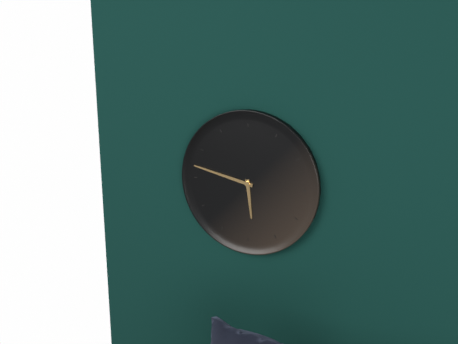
5:47
